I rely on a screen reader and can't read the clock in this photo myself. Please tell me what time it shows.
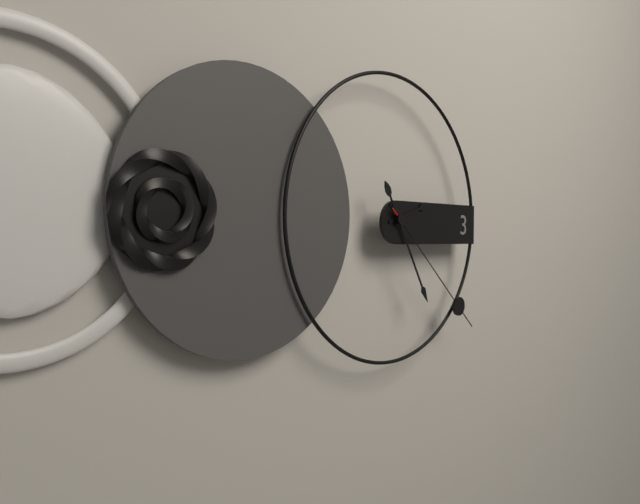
2:25:22
